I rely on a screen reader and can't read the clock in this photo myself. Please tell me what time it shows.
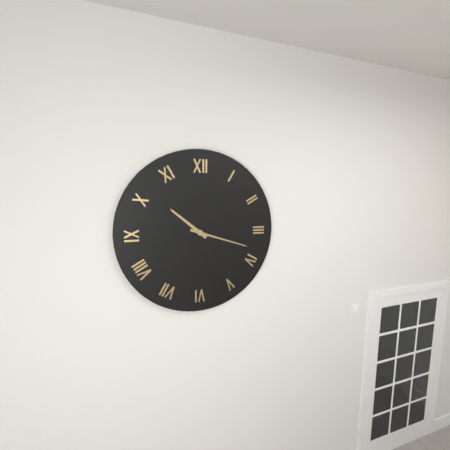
10:18
